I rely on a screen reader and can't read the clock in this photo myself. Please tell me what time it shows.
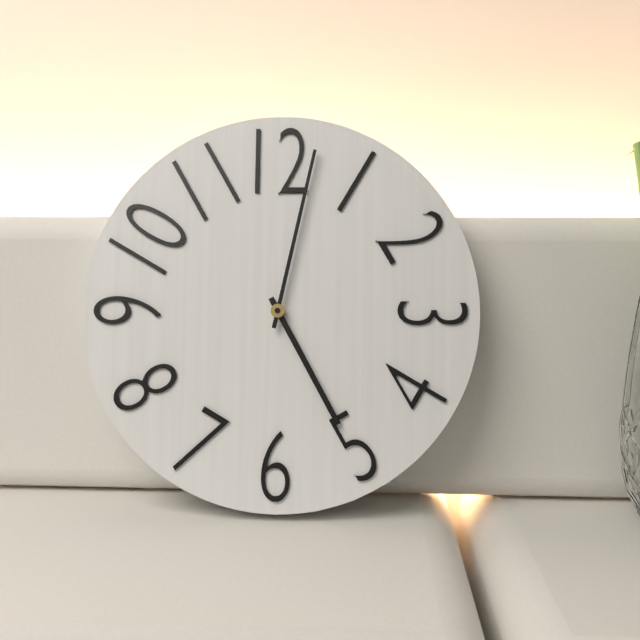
5:02
